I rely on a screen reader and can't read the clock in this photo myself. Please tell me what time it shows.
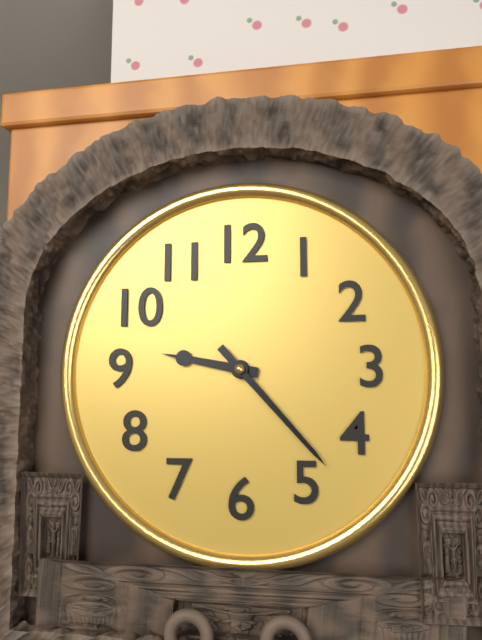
9:23
